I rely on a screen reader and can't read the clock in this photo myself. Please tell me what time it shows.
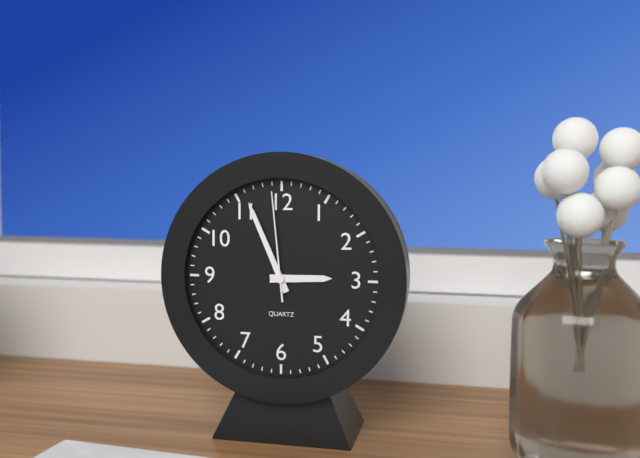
2:56:59
